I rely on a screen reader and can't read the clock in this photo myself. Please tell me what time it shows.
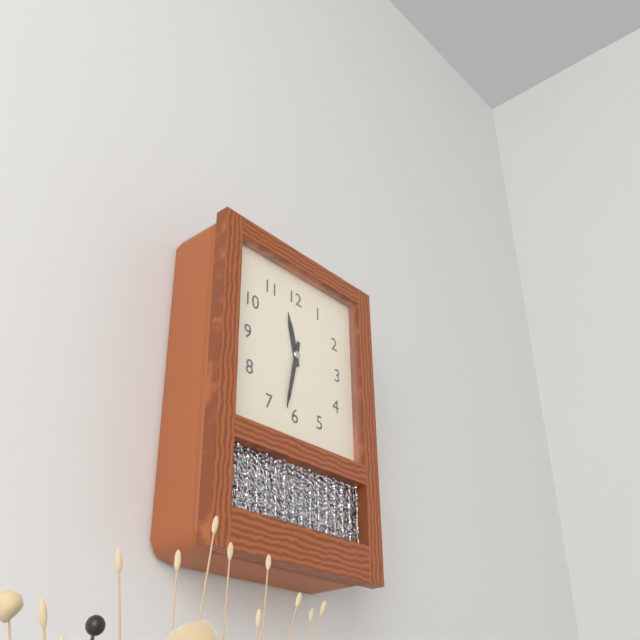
11:32
